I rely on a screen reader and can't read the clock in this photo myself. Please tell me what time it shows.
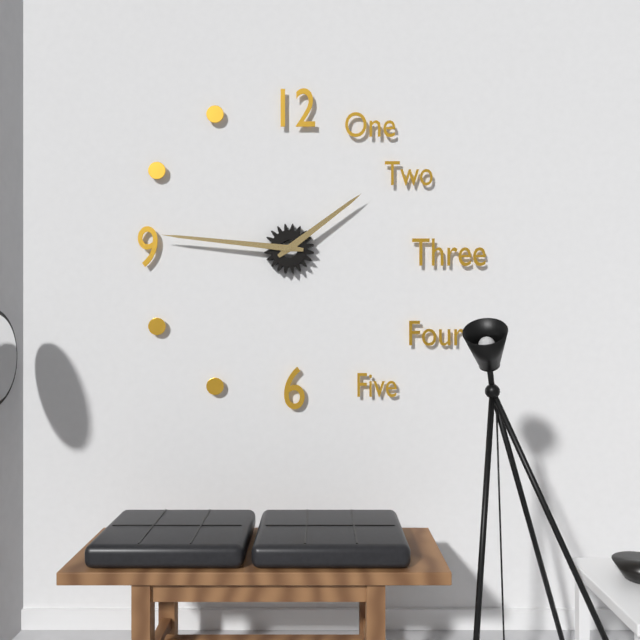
1:46
